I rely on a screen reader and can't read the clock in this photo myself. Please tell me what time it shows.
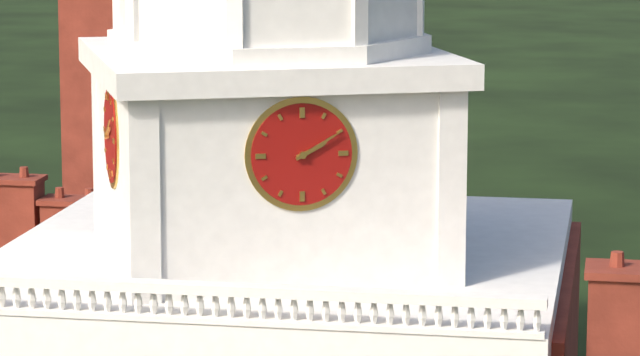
2:10
